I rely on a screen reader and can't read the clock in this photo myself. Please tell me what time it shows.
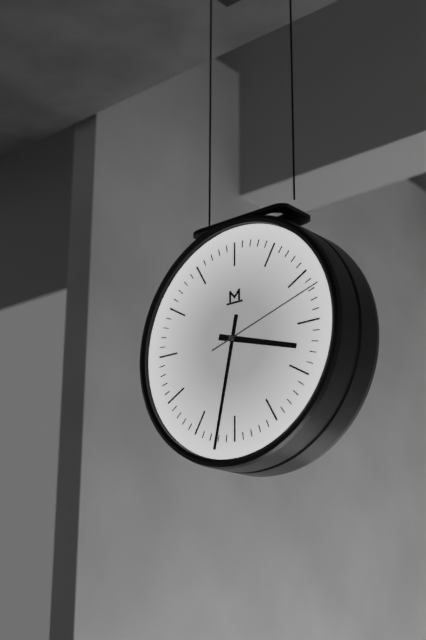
3:32:12
